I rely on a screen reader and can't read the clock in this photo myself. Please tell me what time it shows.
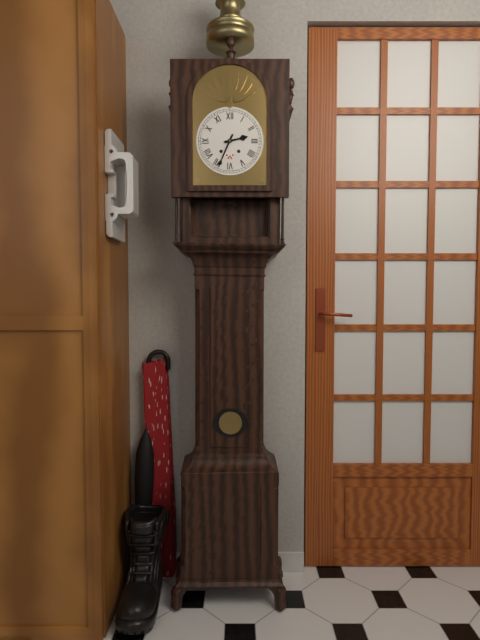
2:34
